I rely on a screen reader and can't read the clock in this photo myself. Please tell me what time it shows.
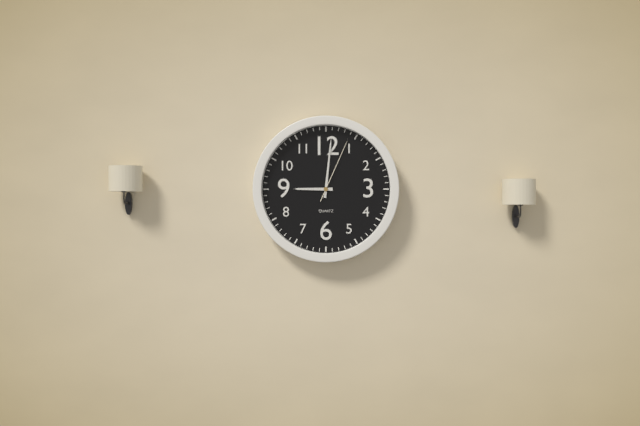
9:01:04
